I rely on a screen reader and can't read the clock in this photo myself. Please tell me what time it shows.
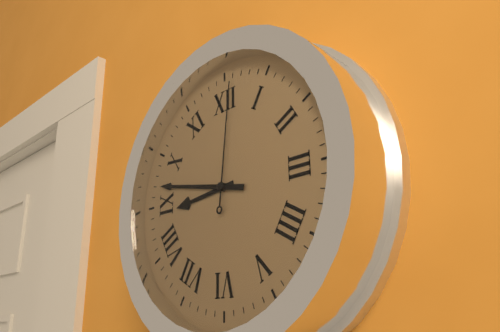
8:47:01
